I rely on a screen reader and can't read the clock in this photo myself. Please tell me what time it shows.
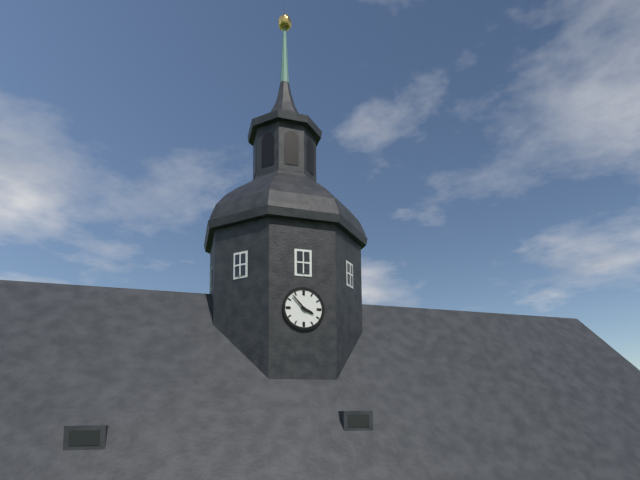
3:53
